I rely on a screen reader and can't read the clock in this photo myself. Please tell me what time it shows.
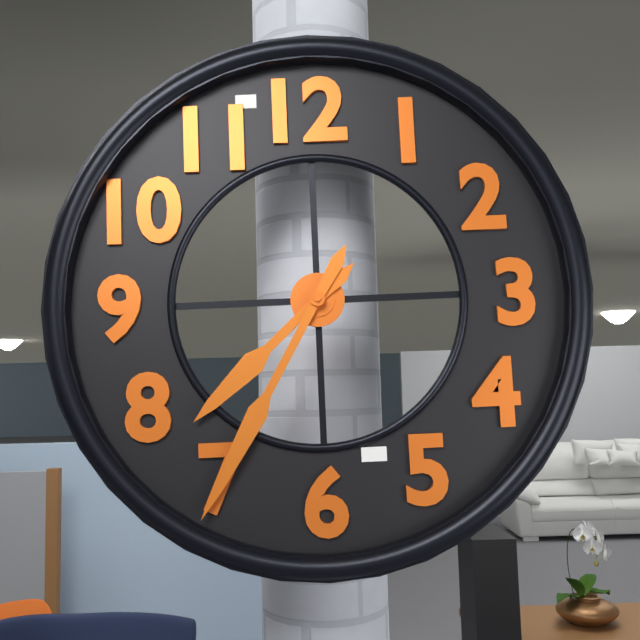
7:35
